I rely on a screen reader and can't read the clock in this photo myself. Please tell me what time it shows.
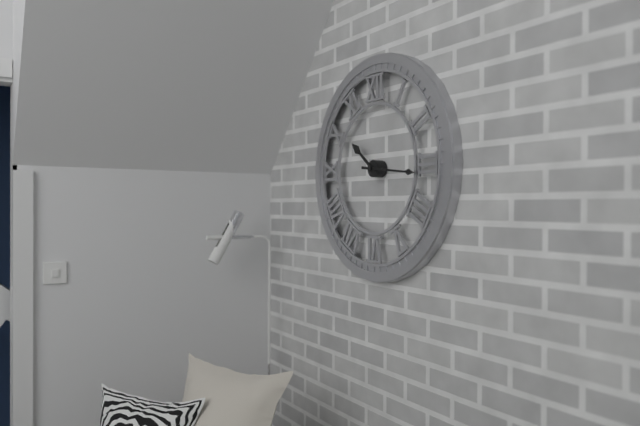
10:16
